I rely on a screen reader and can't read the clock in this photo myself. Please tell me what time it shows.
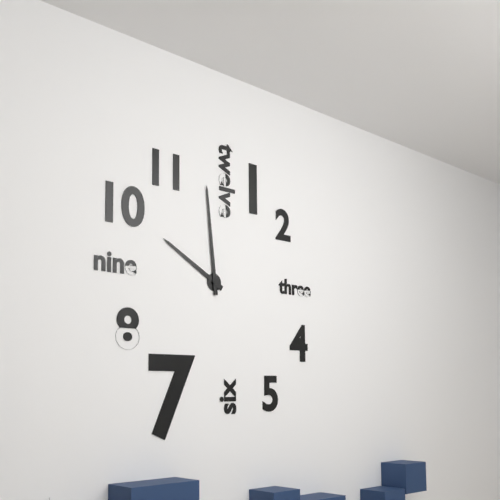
9:59
